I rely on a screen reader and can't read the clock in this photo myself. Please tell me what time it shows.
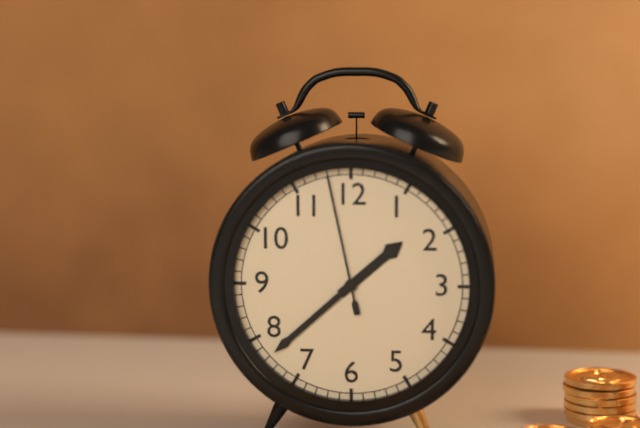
1:38:58
